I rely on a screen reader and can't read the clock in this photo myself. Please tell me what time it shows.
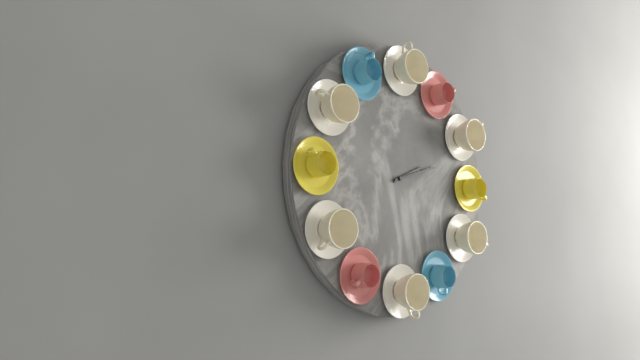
2:12
